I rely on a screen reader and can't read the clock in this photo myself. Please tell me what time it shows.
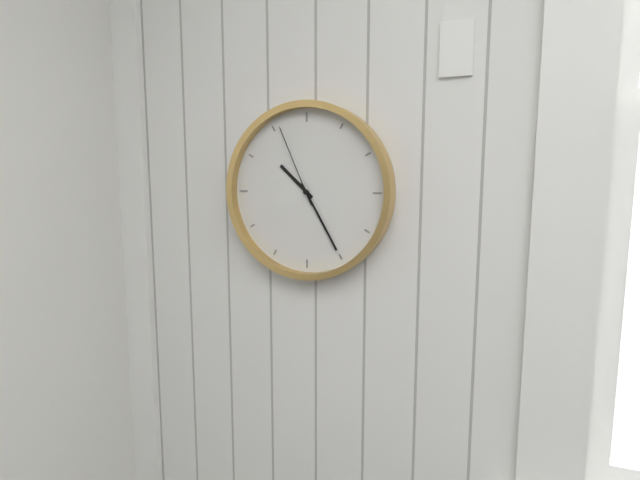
10:25:56
